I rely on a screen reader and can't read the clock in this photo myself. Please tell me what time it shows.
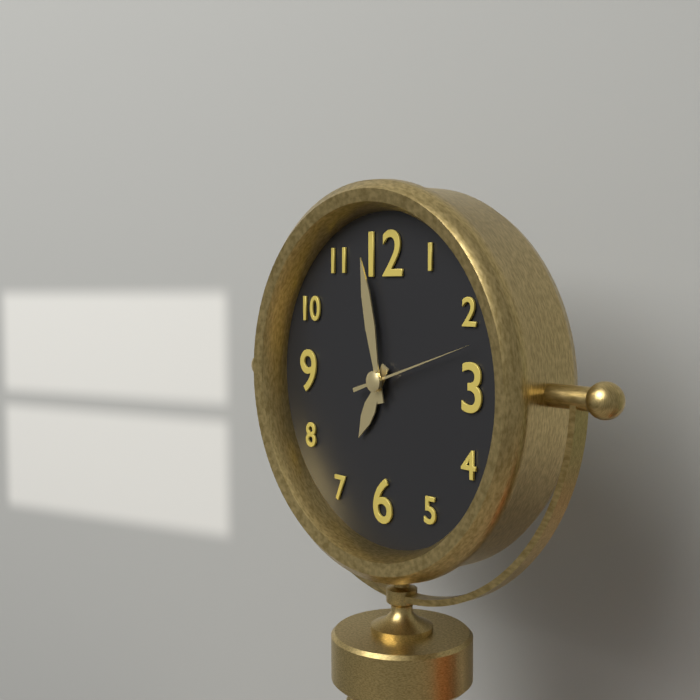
6:58:12
